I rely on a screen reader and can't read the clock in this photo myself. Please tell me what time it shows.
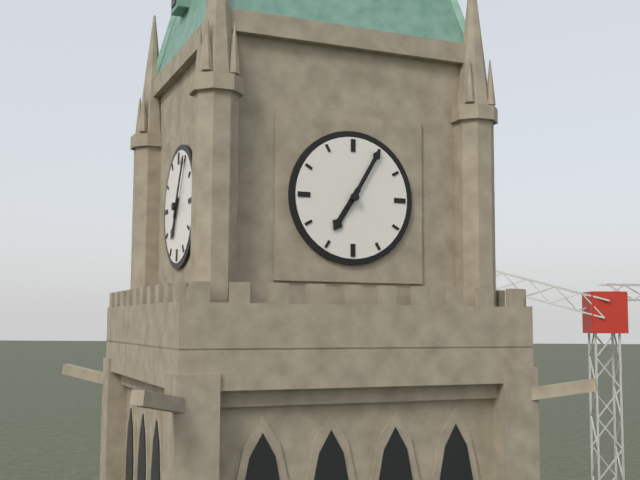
7:05
